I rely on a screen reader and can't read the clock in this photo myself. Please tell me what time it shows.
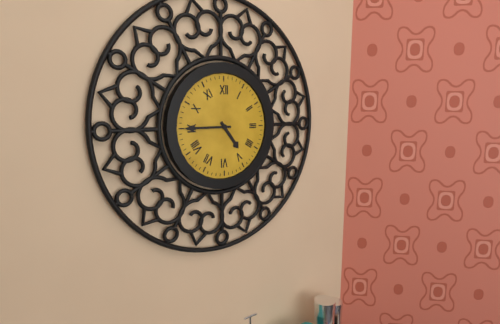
4:45
